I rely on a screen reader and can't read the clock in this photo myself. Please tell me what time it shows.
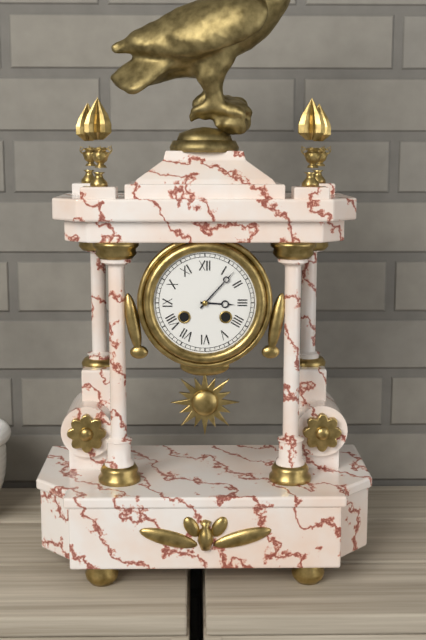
3:07
